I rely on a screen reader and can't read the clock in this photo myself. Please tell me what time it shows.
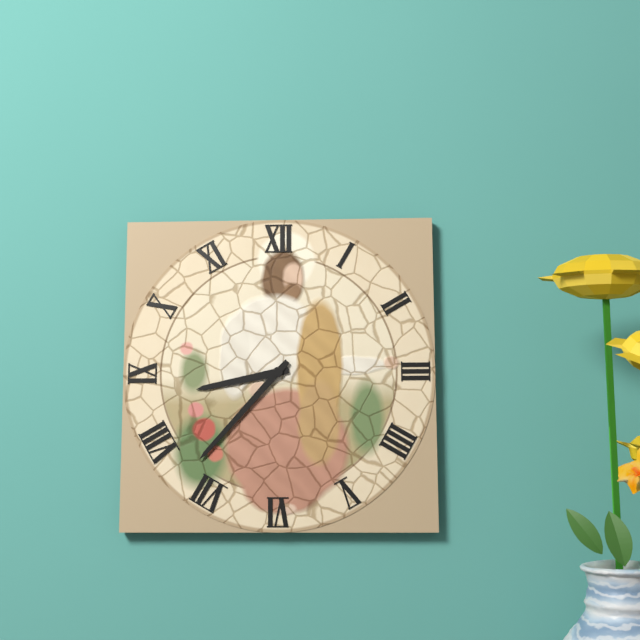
8:37
